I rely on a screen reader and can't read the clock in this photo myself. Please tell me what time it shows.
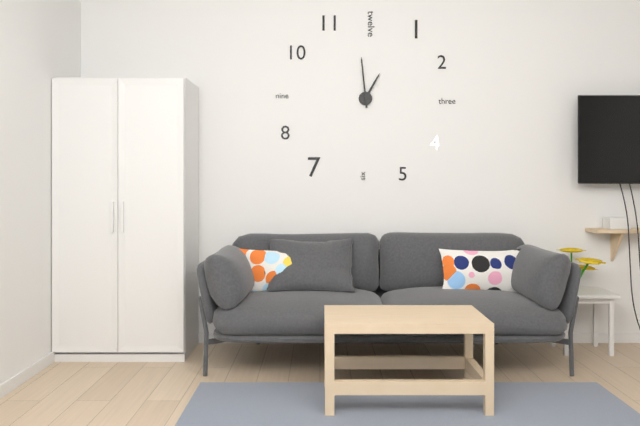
12:59
